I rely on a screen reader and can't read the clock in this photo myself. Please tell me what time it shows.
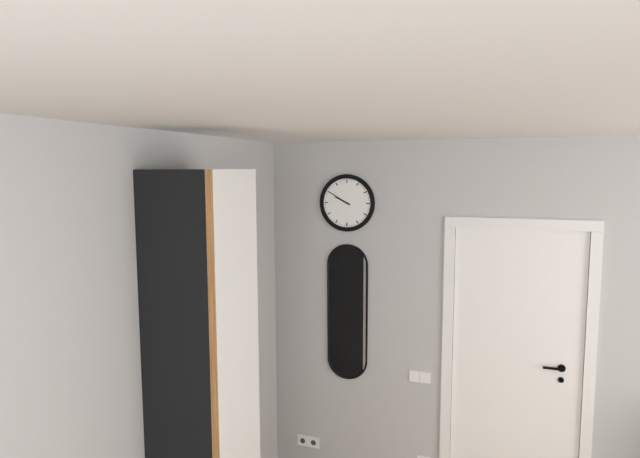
9:50
